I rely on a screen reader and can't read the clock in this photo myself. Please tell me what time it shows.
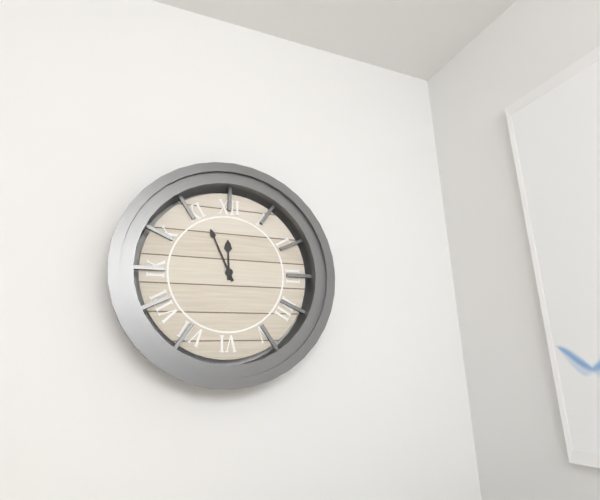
11:56
